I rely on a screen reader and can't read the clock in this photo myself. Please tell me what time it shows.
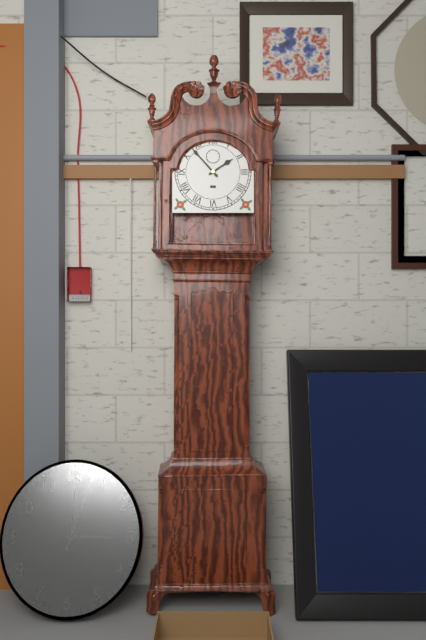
1:53
